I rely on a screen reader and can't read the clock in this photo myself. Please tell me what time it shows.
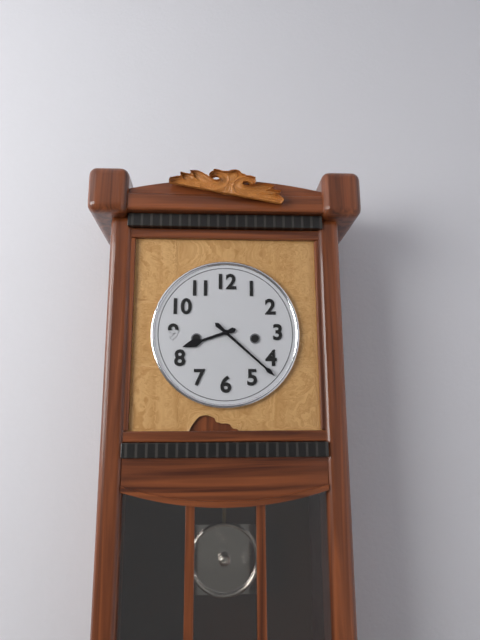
8:22
